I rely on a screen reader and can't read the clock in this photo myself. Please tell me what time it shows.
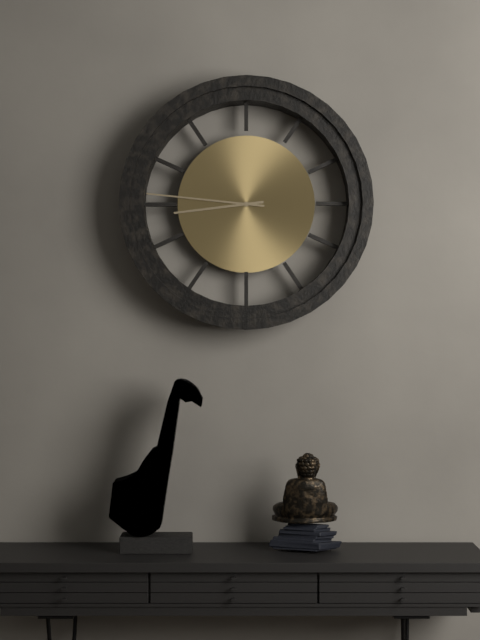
8:46
